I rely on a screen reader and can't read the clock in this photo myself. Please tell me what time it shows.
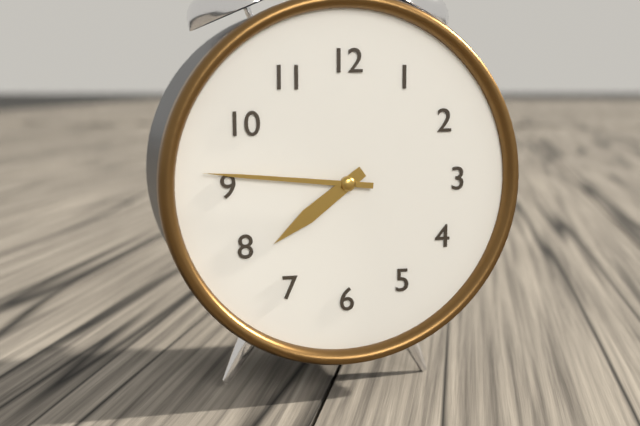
7:46
